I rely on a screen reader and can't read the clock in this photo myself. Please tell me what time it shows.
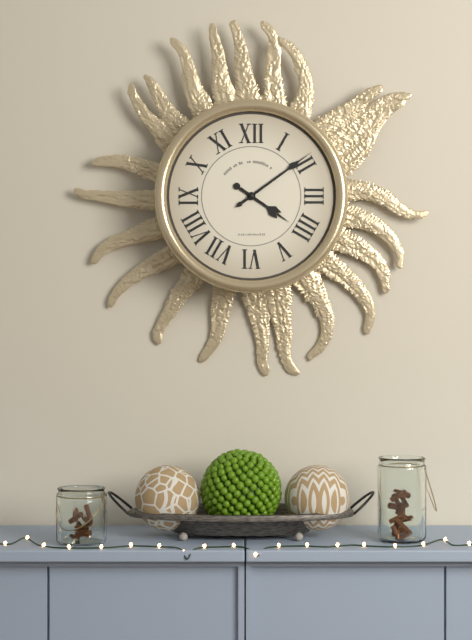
4:09
